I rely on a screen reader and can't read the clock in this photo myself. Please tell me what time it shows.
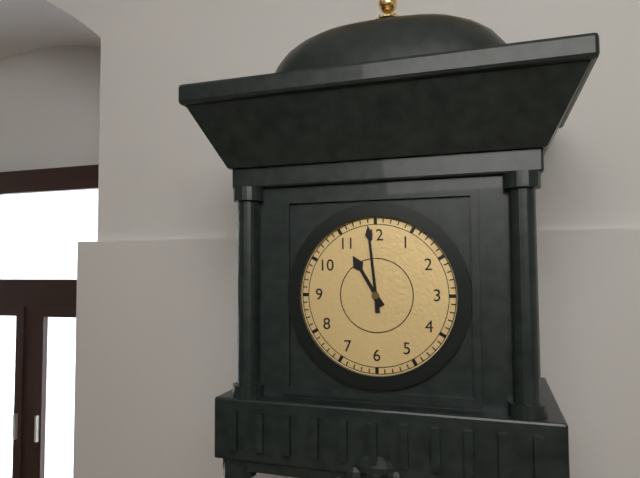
10:59
